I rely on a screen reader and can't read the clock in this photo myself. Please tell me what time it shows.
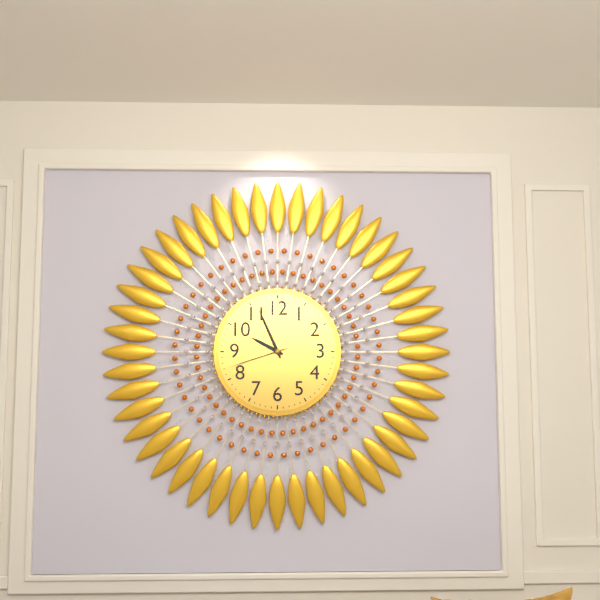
9:56:42
